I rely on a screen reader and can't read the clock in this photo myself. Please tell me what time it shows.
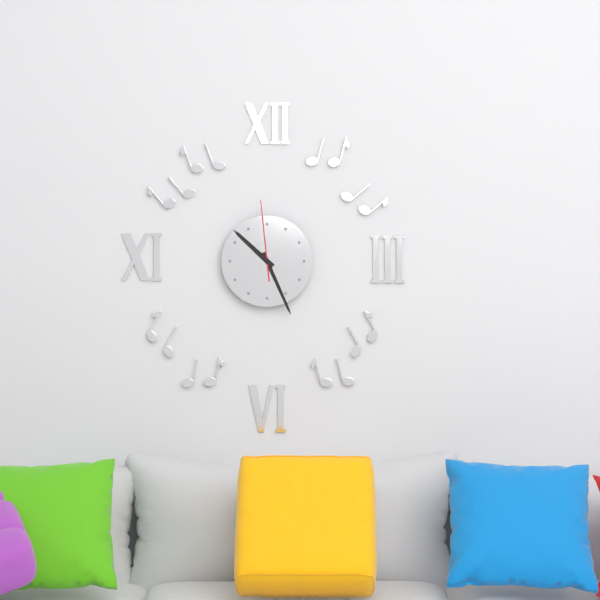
10:26:59
